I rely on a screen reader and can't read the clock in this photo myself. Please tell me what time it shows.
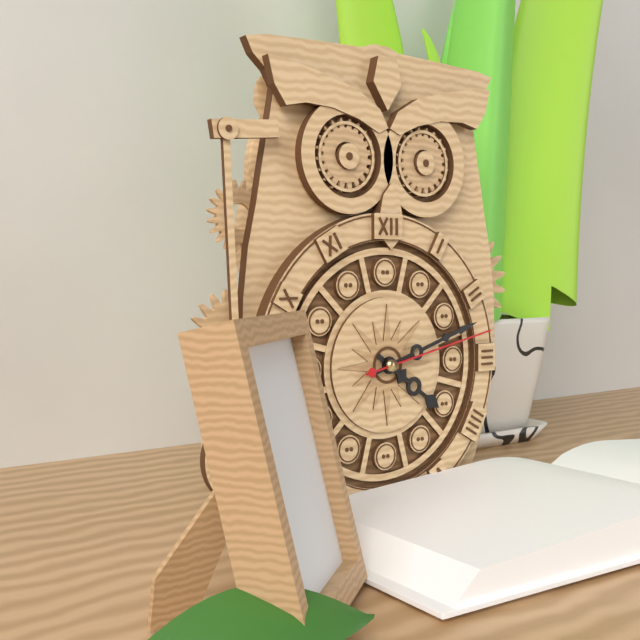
4:12:13
